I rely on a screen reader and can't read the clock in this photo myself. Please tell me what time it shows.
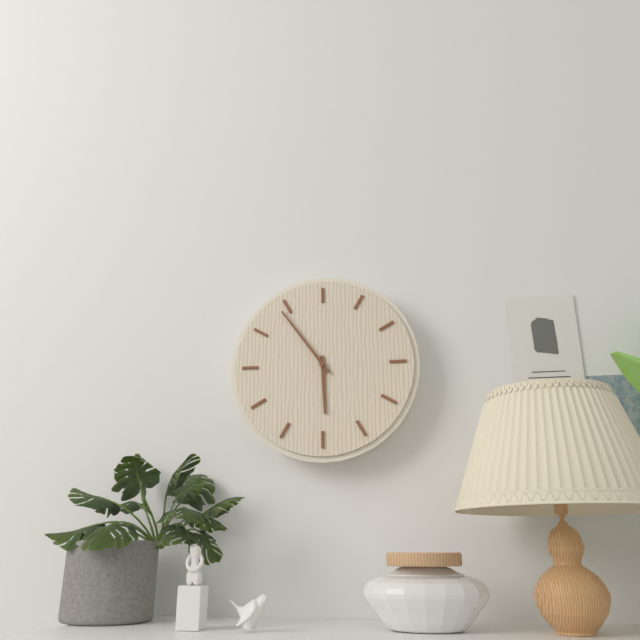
5:54
